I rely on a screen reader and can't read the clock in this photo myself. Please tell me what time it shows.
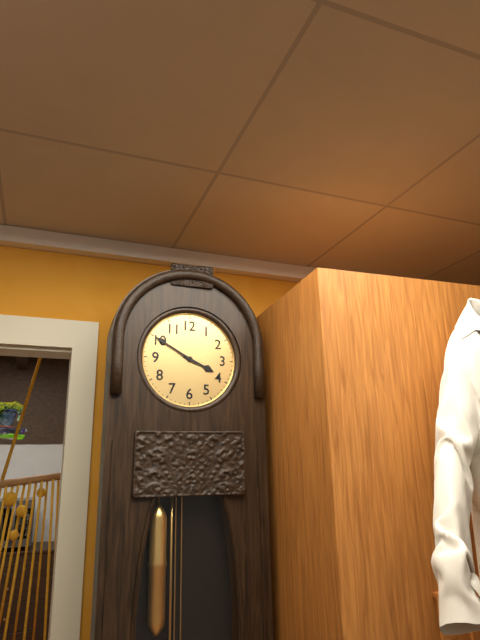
3:50
